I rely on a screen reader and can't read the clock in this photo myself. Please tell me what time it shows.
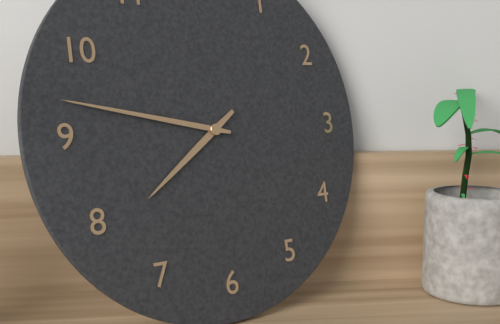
7:47
